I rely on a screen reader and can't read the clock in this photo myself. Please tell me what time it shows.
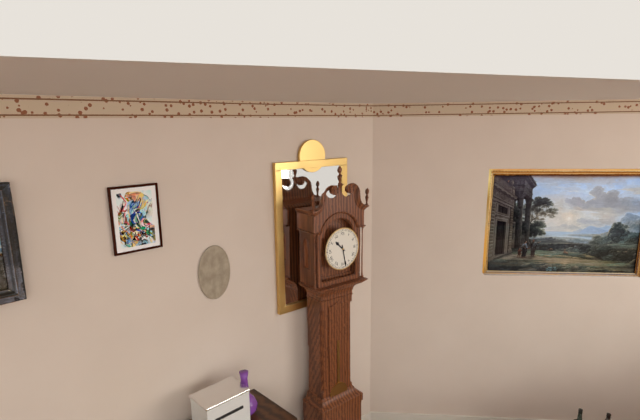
10:28
